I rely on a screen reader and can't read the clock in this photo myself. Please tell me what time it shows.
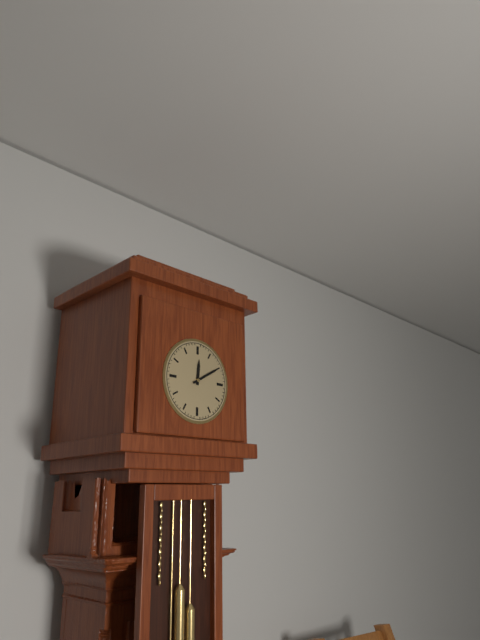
12:10
